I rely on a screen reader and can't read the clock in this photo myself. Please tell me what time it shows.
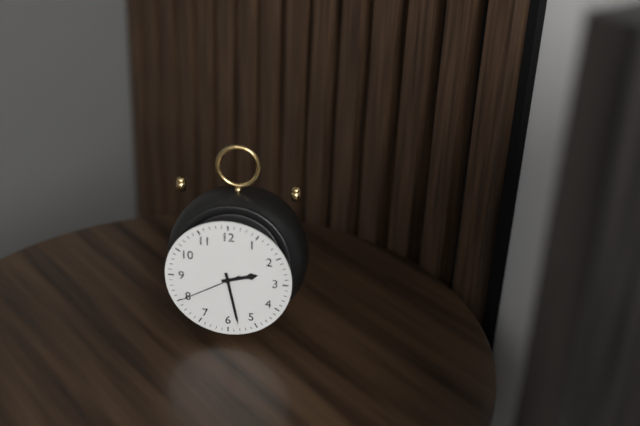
2:28:40
